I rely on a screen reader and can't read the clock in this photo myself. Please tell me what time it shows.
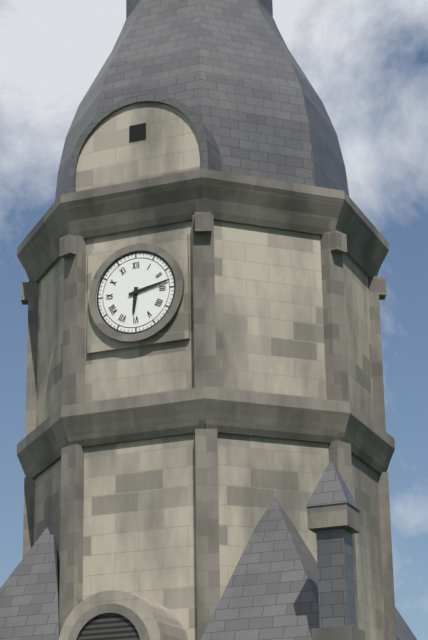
6:13
